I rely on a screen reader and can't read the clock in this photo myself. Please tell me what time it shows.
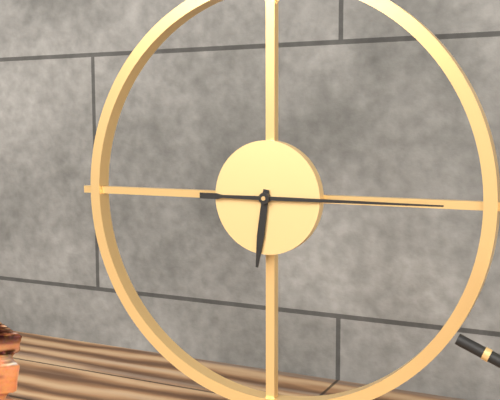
6:15
